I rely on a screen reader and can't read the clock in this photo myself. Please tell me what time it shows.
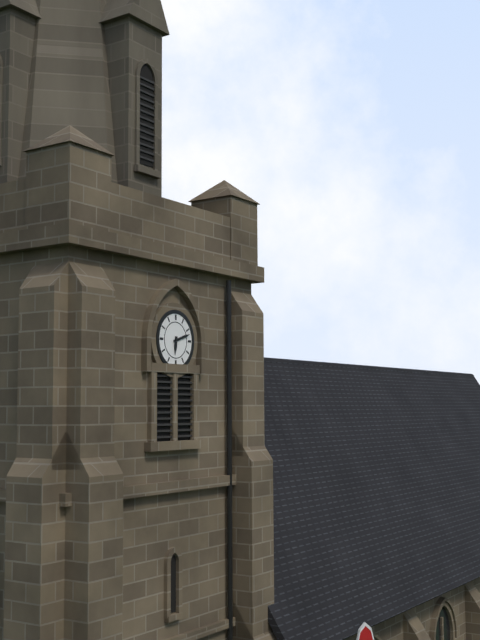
6:12
